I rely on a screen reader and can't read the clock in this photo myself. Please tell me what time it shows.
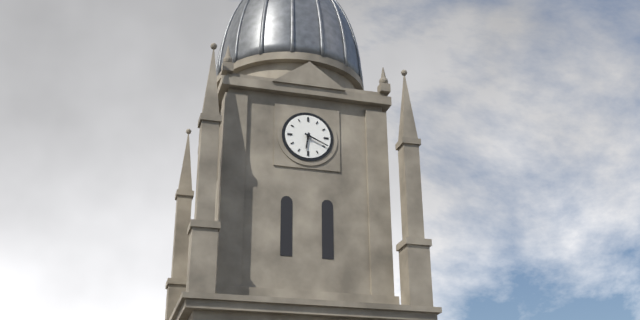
6:19
